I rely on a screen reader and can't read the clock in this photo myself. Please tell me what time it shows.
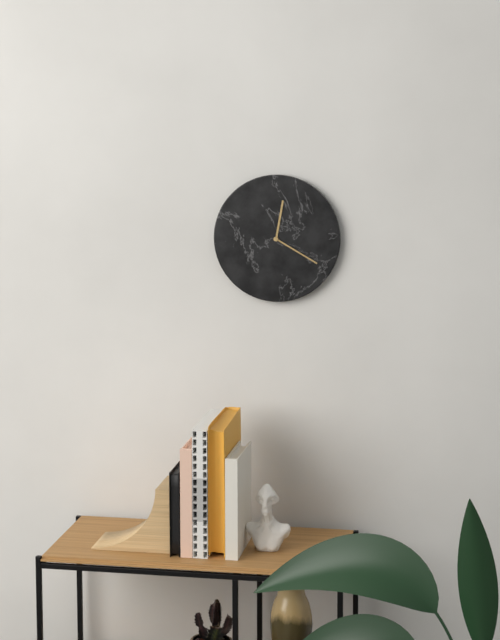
12:20
